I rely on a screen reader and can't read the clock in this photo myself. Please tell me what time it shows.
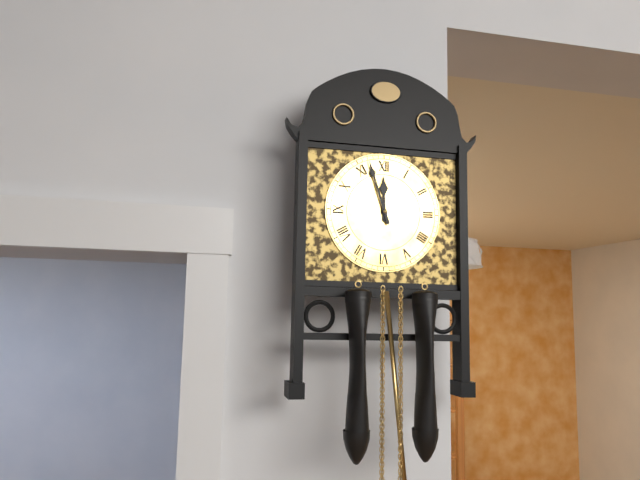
11:57
